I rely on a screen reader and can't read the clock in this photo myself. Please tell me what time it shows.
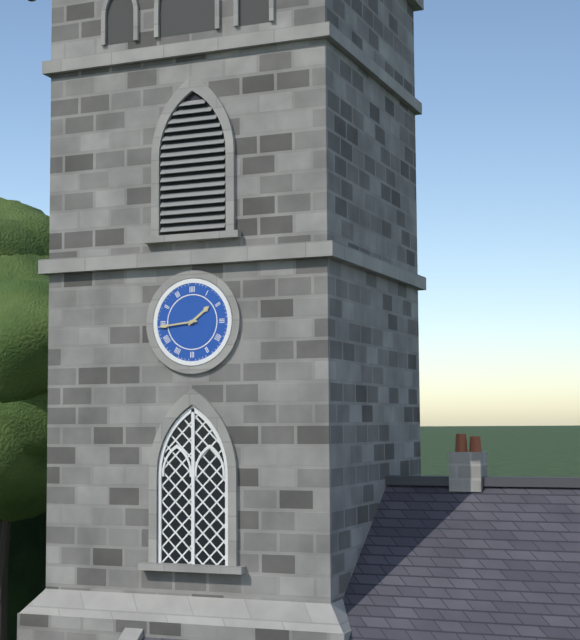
1:44
